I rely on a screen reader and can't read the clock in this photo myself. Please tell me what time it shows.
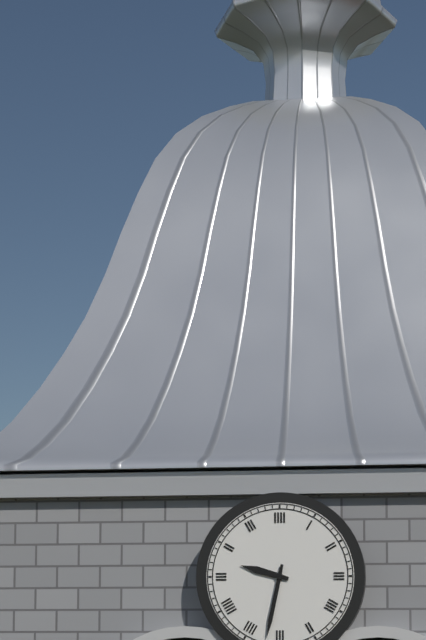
9:32
